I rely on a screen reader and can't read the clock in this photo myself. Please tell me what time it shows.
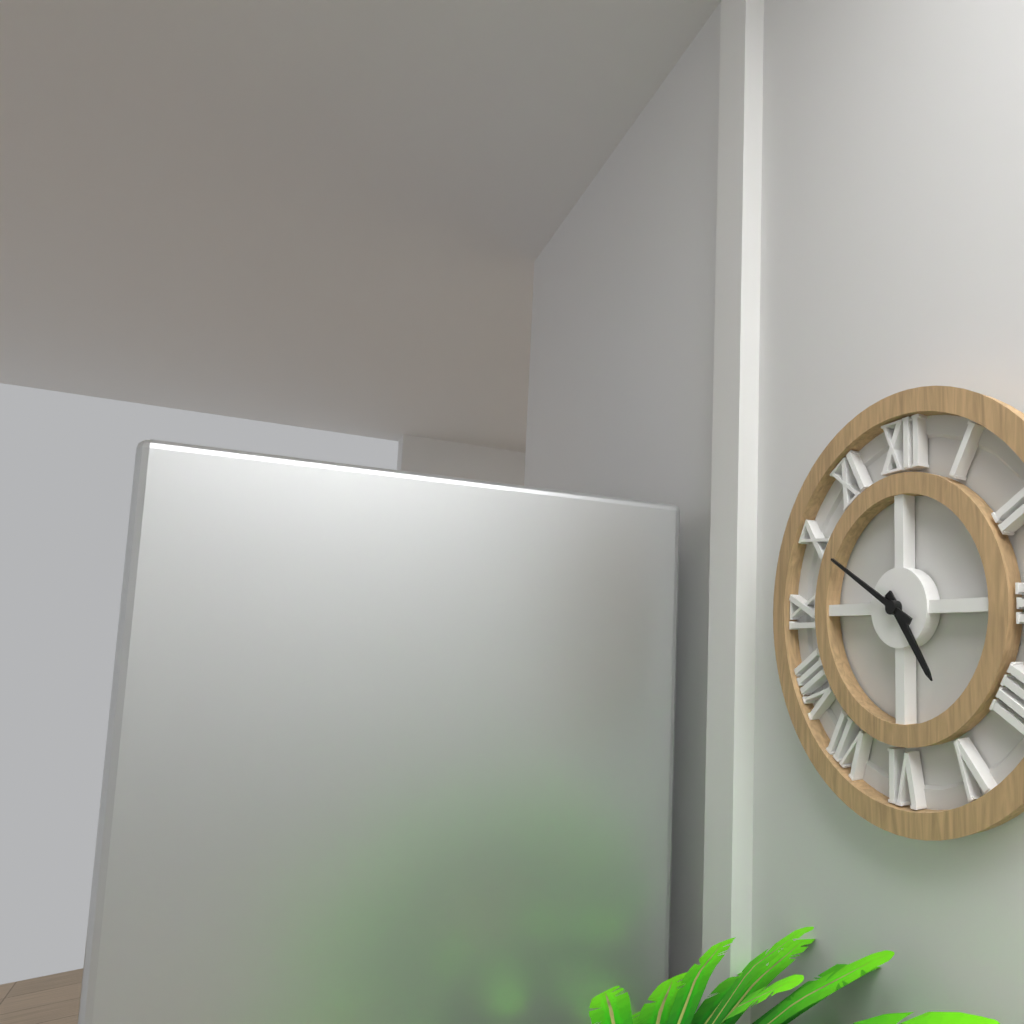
4:50
